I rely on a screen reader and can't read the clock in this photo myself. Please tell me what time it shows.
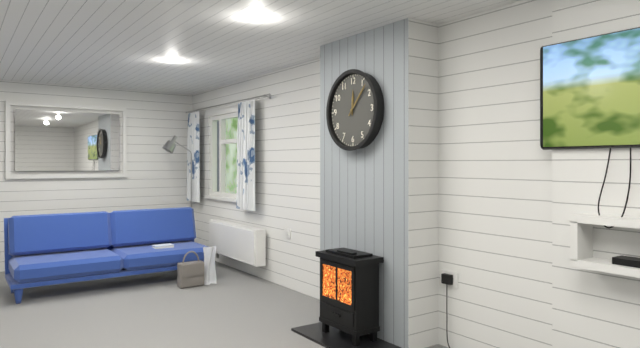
12:07
